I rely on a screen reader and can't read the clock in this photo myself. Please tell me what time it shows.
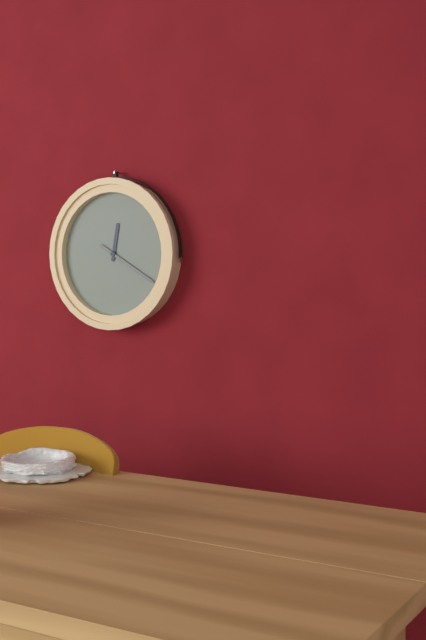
12:20:20
